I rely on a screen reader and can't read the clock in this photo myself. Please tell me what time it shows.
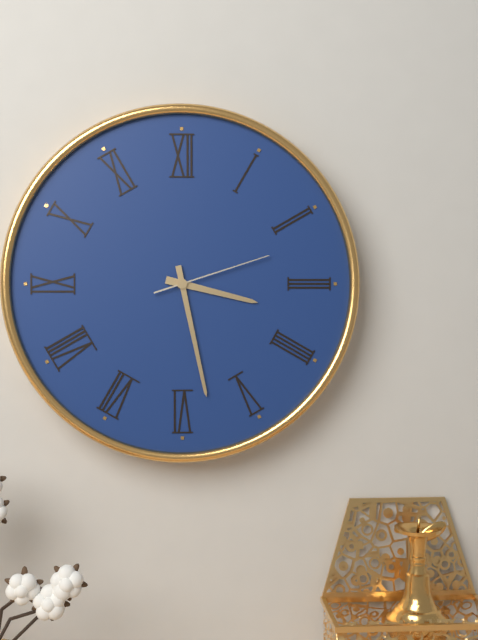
3:28:12
